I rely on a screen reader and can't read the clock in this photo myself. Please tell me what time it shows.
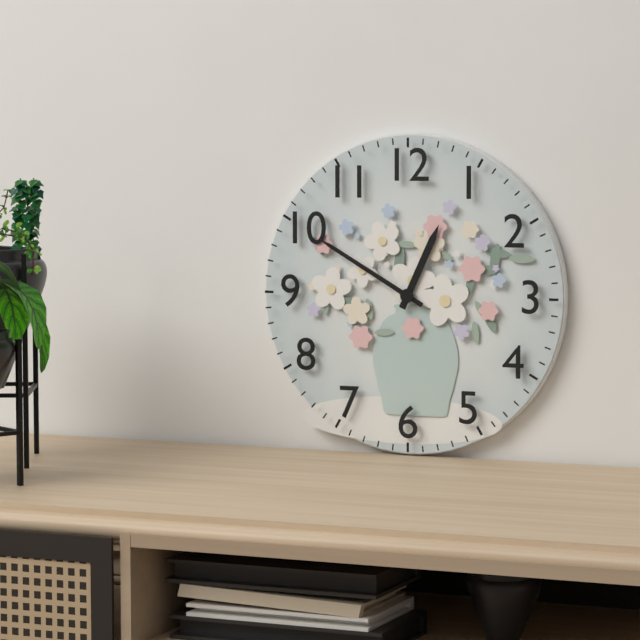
12:50
